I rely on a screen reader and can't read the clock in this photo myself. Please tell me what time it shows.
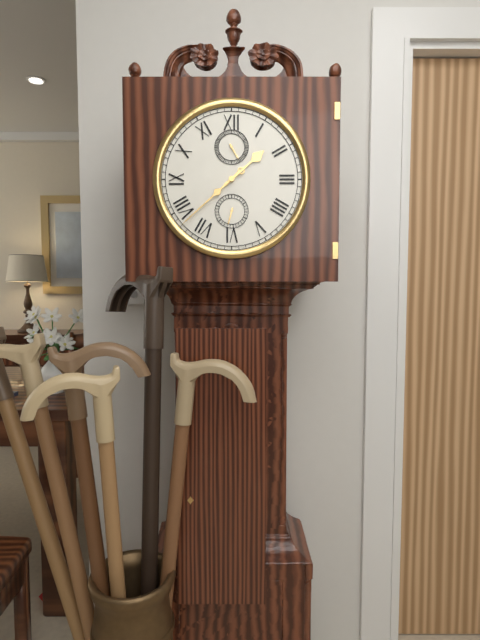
1:38
